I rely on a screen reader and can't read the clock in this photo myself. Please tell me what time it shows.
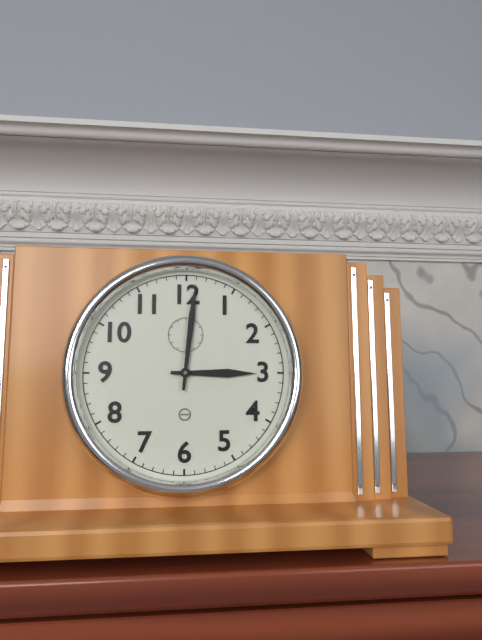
3:01
